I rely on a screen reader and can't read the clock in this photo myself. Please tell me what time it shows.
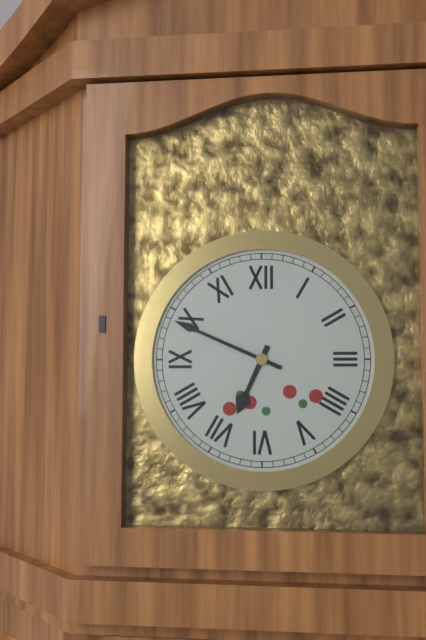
6:49
